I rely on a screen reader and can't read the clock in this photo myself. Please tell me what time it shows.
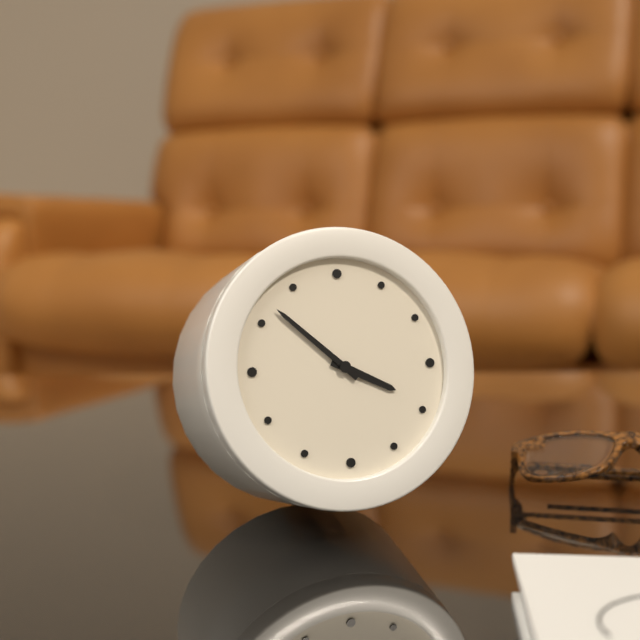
3:52
